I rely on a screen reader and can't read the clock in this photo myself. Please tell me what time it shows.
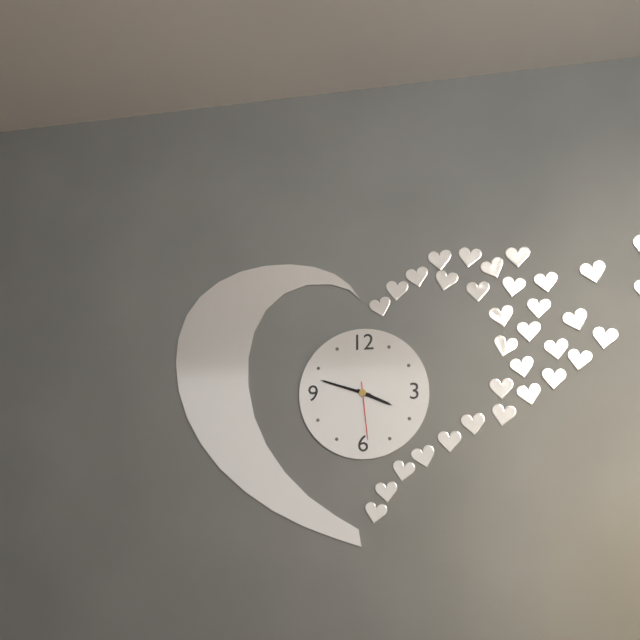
3:48:29
